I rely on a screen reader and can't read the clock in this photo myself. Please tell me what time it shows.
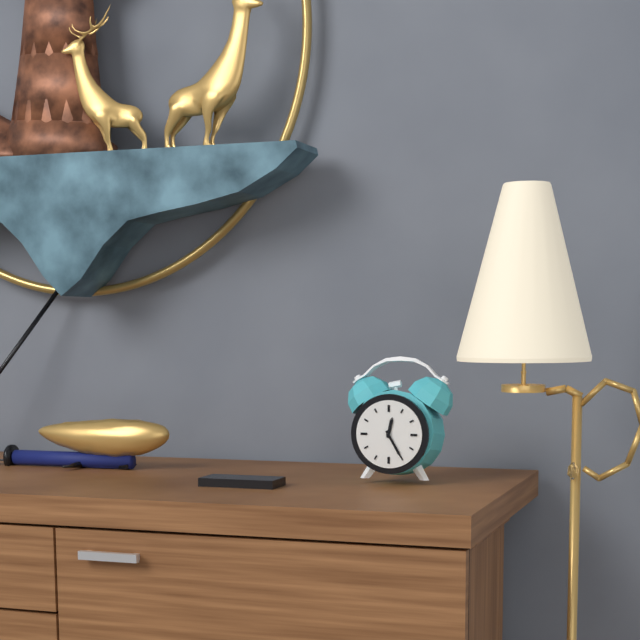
12:25
